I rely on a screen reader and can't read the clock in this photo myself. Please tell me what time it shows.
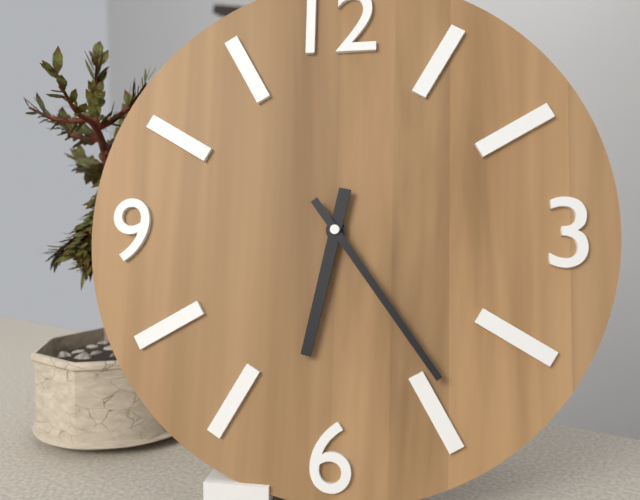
6:24
